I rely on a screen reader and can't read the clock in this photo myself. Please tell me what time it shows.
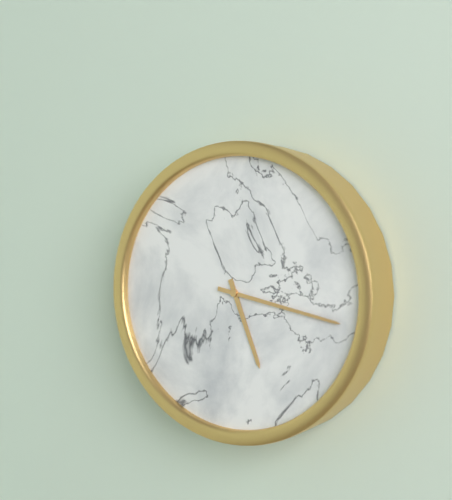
5:17
